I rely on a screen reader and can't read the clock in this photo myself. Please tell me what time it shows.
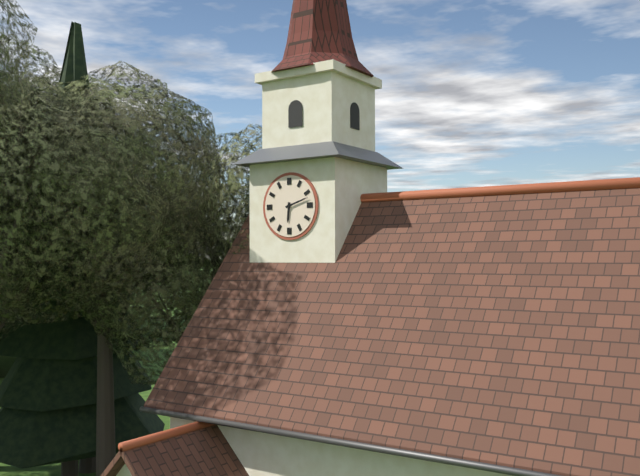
6:12
